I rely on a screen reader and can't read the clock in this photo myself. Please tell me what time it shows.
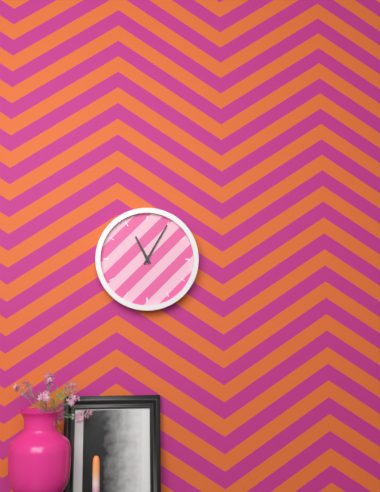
11:05
